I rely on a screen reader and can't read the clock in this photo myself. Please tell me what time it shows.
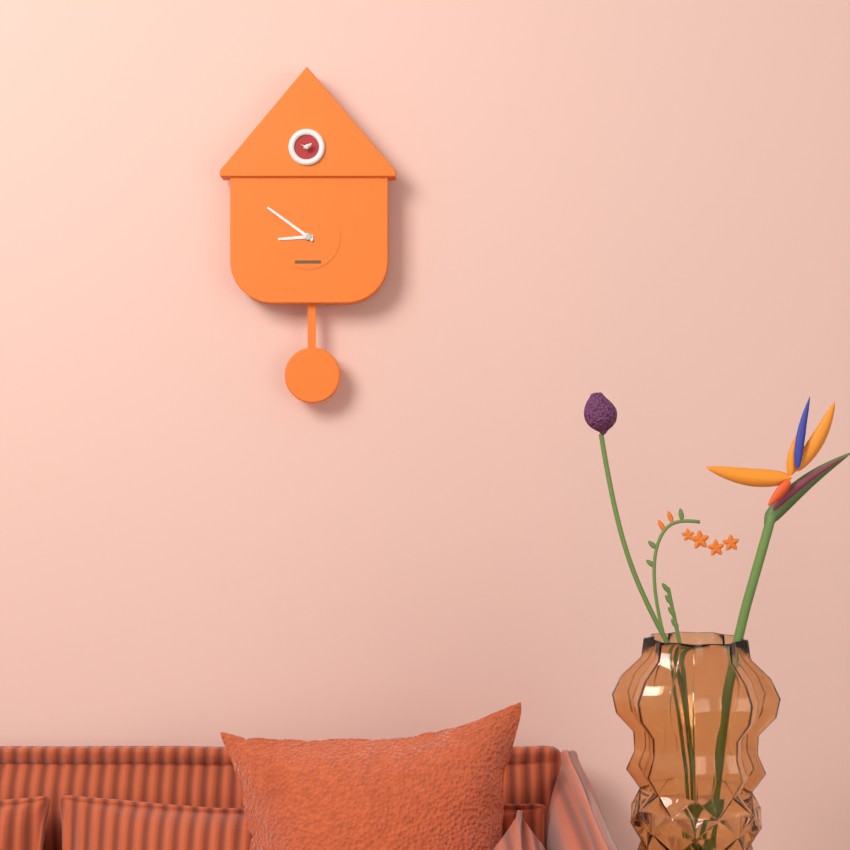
8:51
